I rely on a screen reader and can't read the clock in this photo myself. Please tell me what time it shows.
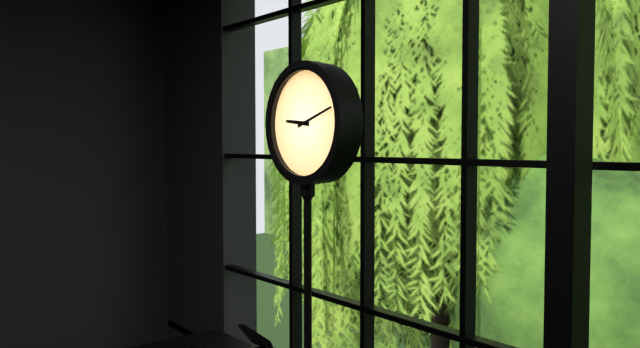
9:12
